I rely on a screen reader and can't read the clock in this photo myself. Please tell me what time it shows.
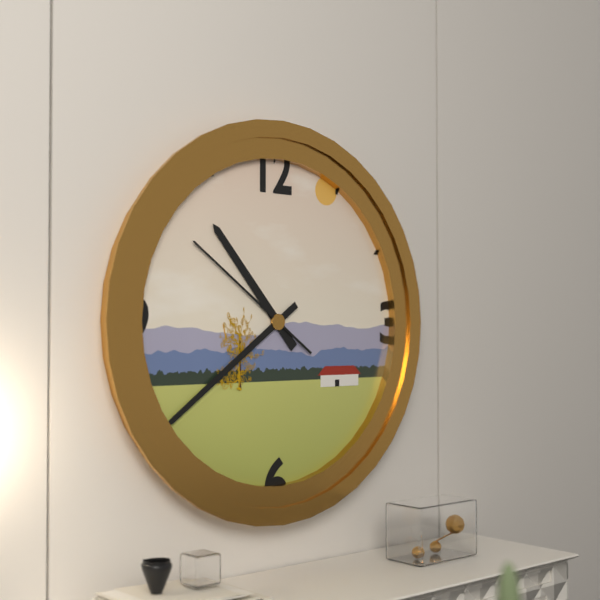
10:39:51
